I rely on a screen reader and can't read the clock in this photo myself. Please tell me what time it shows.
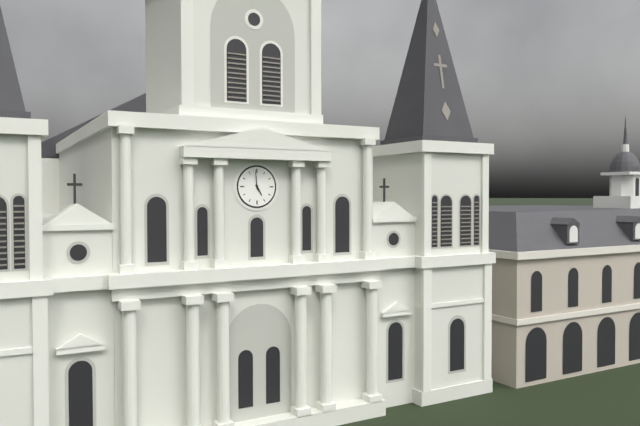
4:59
